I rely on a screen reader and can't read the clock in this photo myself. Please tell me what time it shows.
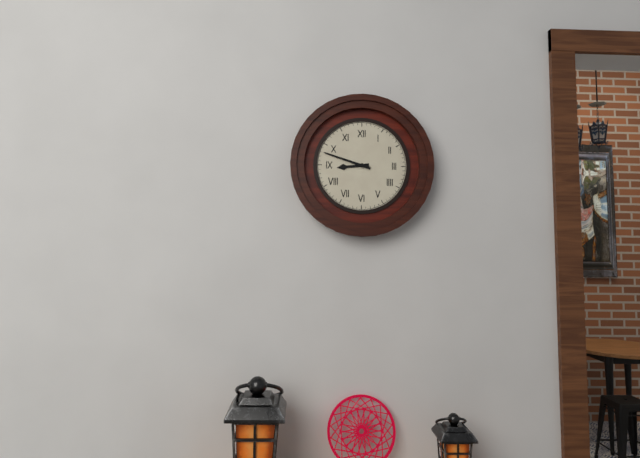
8:48
